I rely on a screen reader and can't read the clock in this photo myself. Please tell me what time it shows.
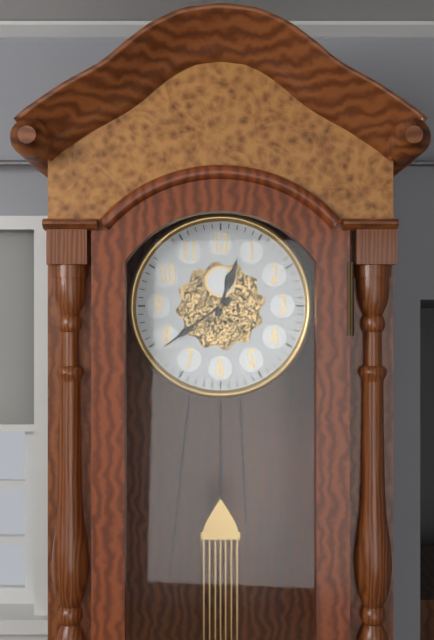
12:39
